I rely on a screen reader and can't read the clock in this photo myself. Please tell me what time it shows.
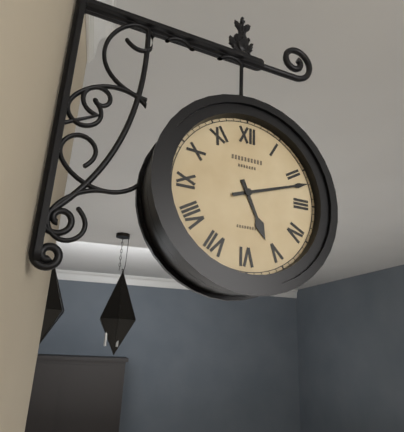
5:12
